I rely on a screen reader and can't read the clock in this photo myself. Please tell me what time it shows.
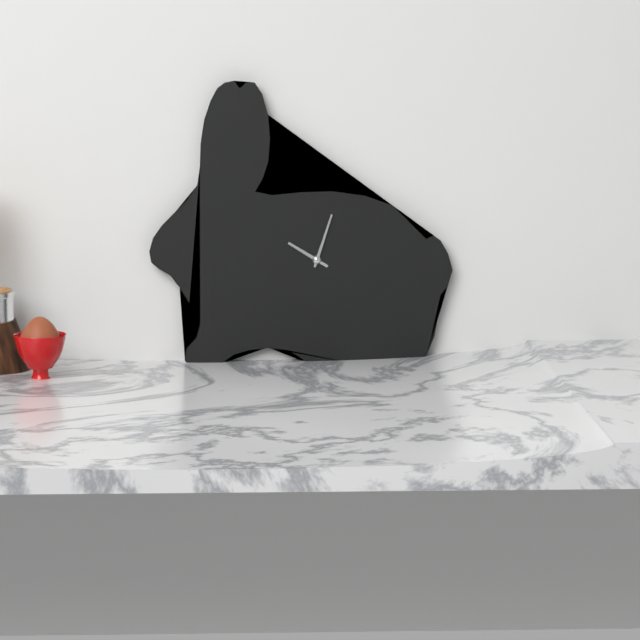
10:03
